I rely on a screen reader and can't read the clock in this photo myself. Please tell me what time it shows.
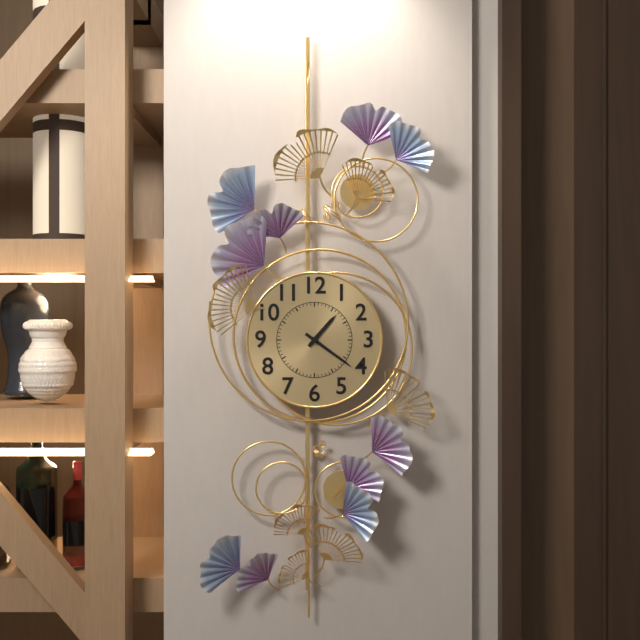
1:21
